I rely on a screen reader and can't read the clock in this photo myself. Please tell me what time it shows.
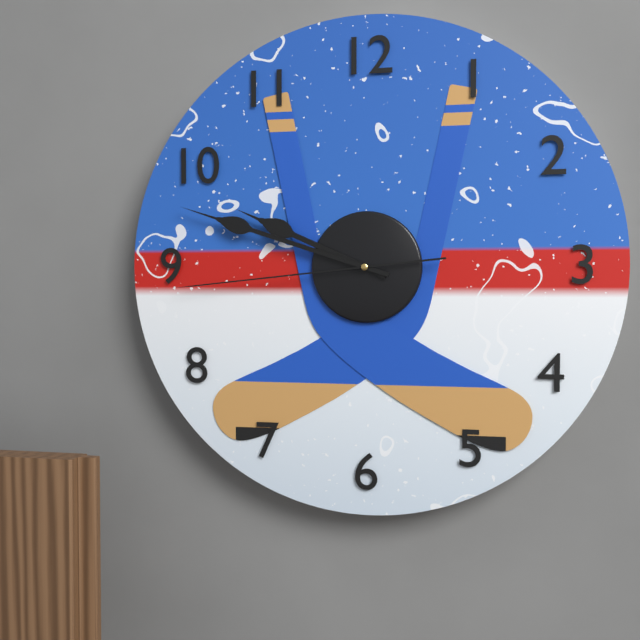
9:48:44
